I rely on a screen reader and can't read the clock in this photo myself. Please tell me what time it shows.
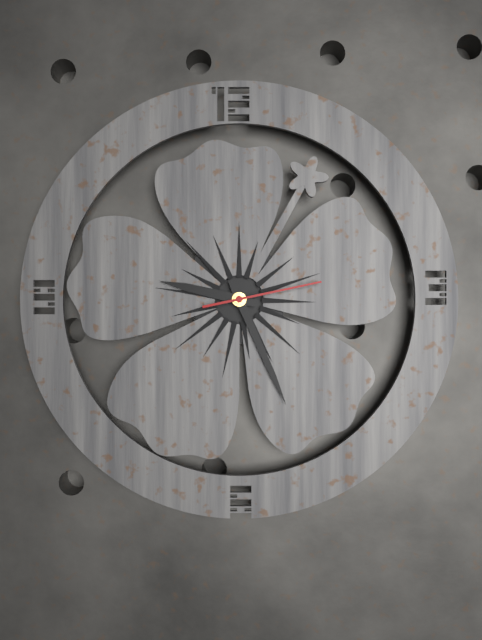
9:26:13
